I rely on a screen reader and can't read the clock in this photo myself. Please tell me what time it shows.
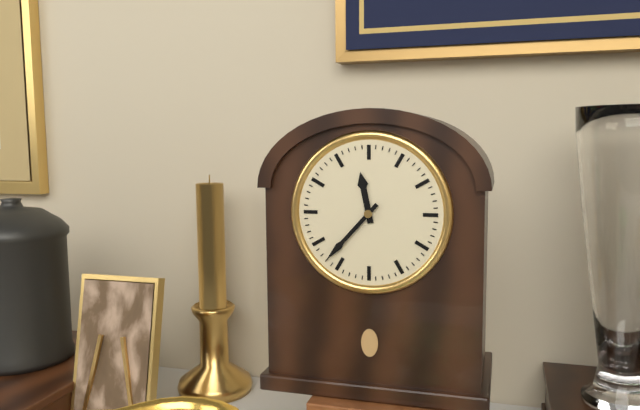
11:37
